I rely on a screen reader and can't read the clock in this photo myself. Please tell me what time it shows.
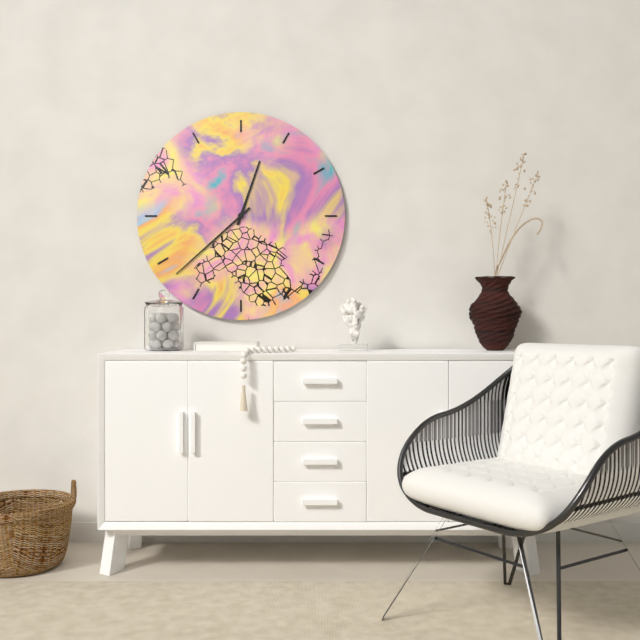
12:38
